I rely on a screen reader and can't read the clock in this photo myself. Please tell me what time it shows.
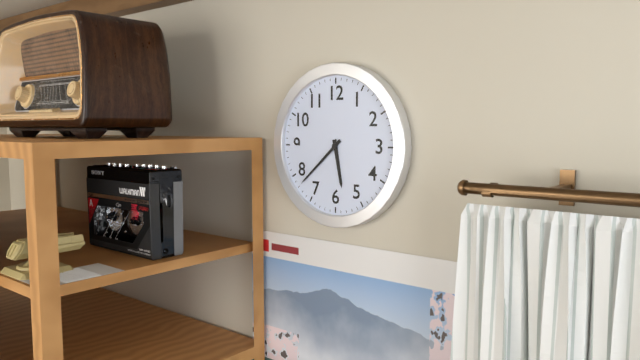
5:38
